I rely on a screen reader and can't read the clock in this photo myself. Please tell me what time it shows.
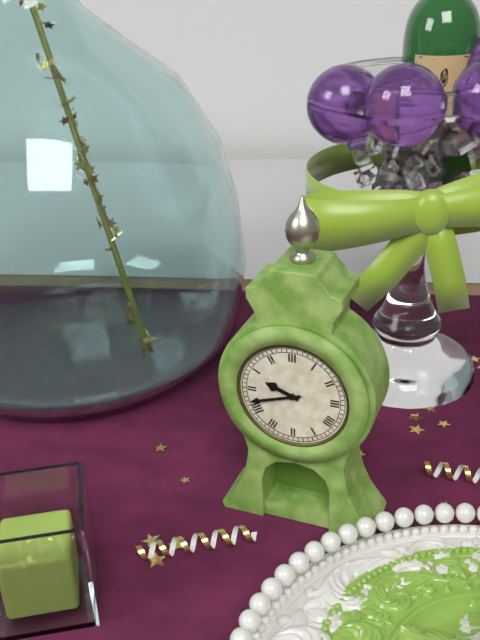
9:42
